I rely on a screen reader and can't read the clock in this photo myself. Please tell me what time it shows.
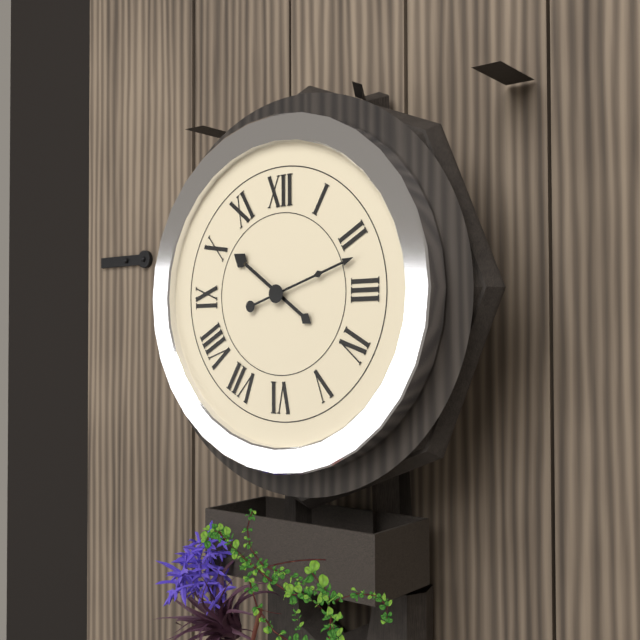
10:12
